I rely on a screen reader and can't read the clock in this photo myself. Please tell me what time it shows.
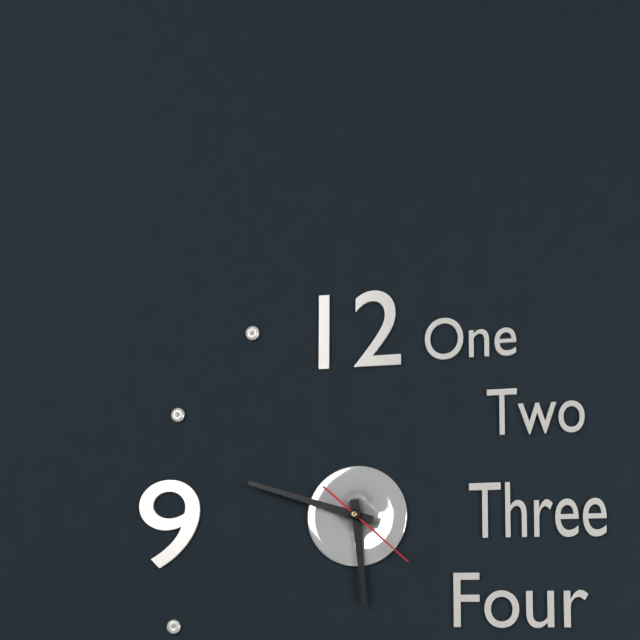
5:48:22
